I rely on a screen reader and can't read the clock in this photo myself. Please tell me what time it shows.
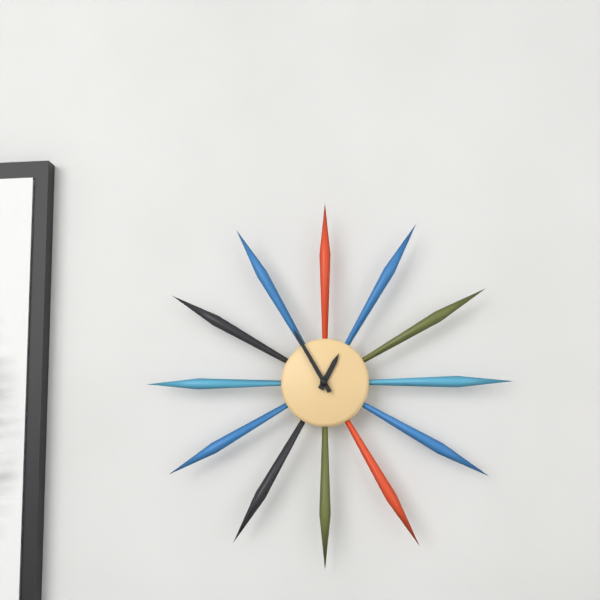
12:55
